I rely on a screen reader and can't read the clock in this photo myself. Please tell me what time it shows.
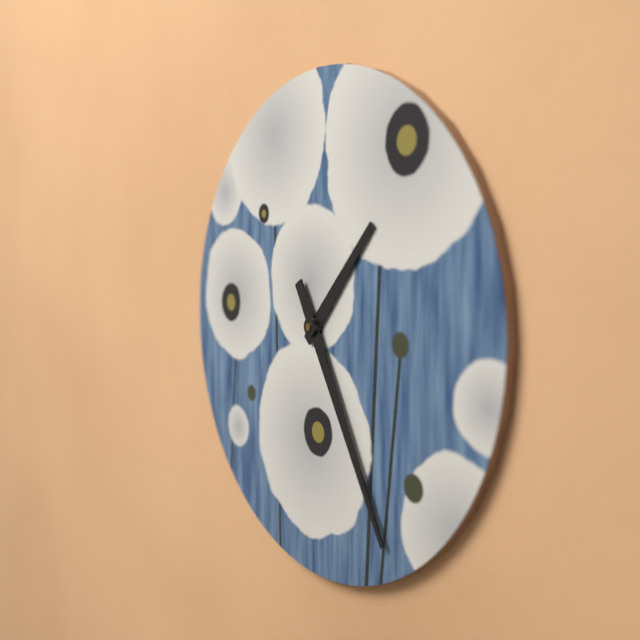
1:25
